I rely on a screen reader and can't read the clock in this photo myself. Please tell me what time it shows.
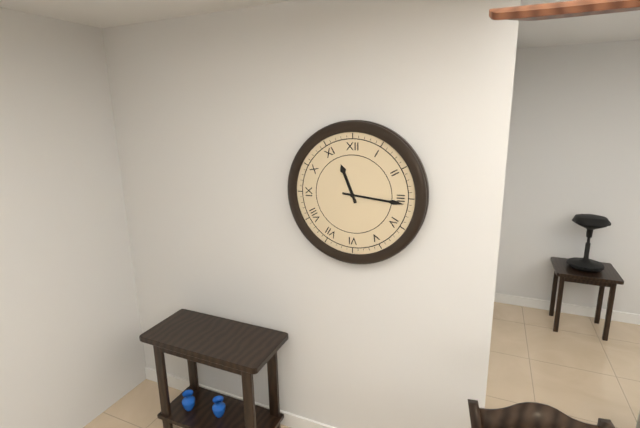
11:16
